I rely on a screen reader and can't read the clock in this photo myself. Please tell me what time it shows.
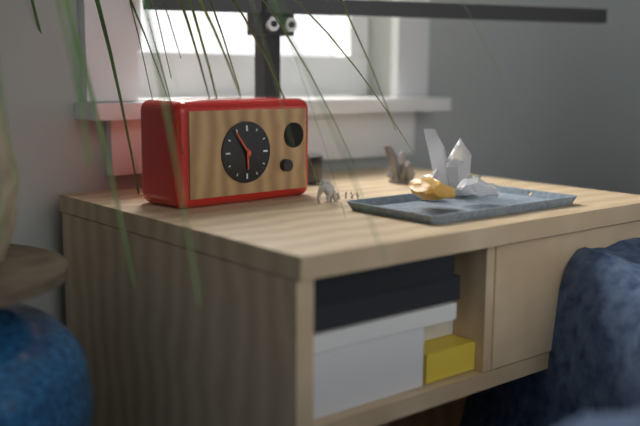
5:54
